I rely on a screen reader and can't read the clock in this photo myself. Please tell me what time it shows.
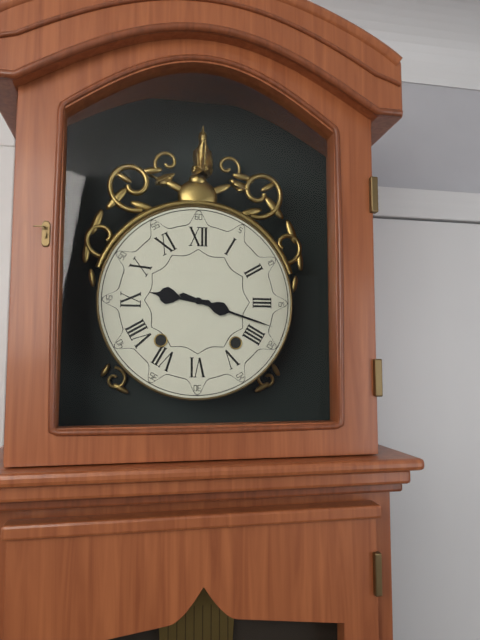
9:18
